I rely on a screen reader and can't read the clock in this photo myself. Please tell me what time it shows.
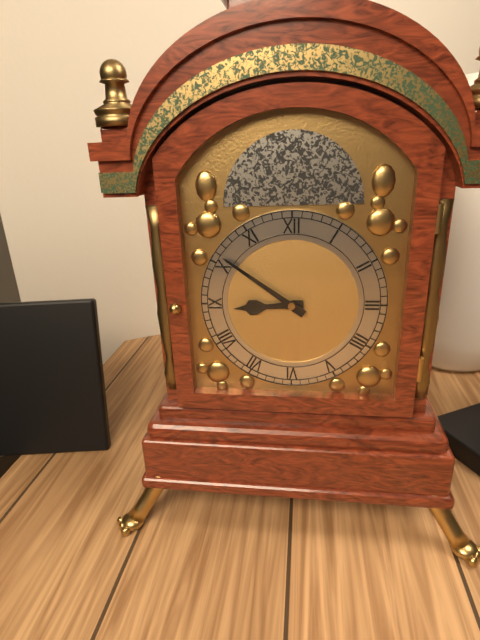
8:51
